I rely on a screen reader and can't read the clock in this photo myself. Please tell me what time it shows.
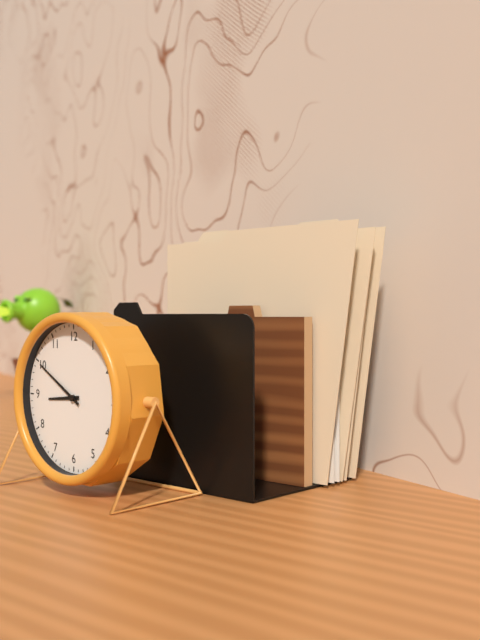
8:50
